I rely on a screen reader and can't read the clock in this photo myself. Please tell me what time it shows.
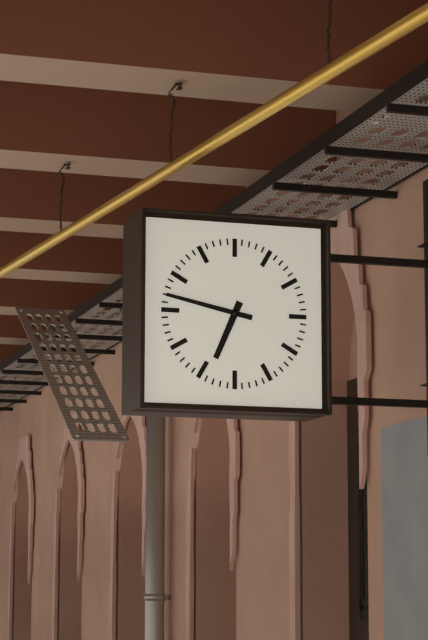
6:47
